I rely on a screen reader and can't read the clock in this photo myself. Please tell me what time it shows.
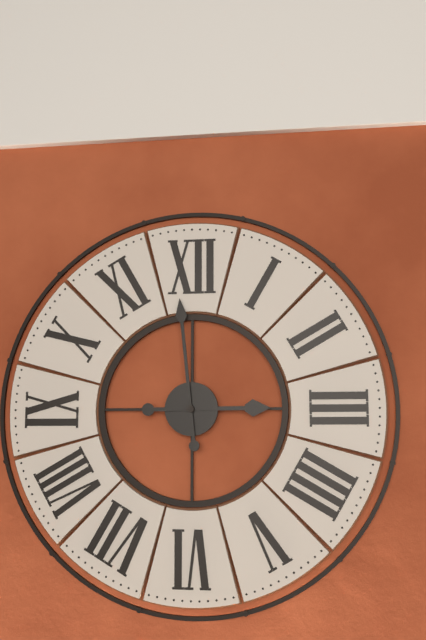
2:59
